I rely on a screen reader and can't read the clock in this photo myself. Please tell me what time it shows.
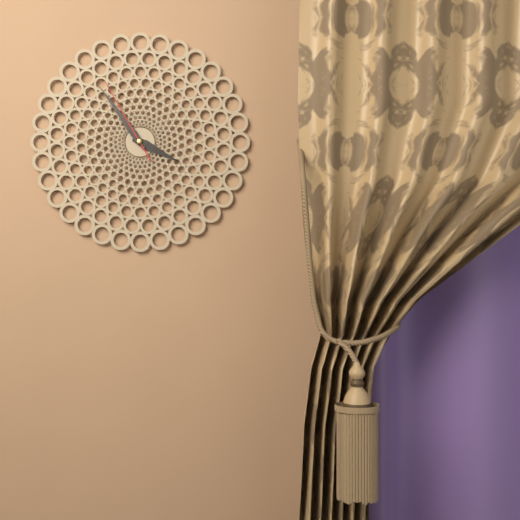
3:54:55
